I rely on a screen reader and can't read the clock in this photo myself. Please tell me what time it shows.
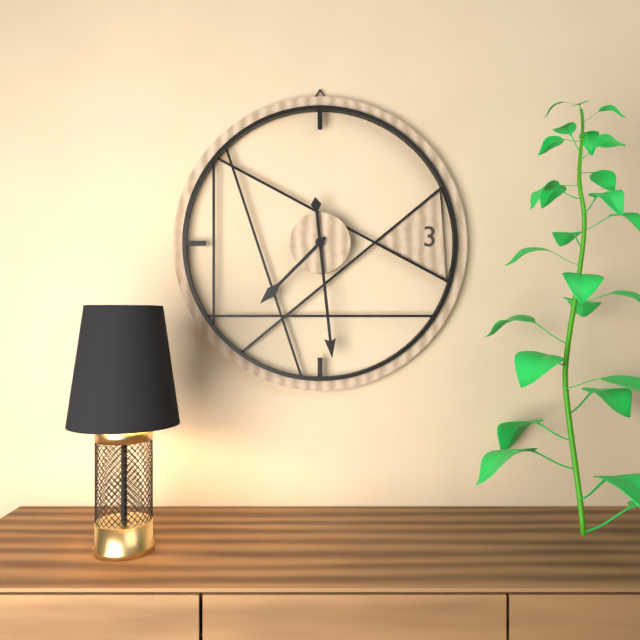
7:29
